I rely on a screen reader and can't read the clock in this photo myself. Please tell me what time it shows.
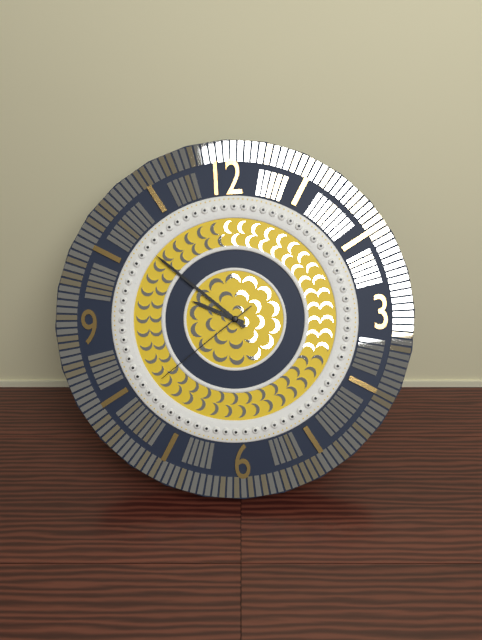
9:52:39
